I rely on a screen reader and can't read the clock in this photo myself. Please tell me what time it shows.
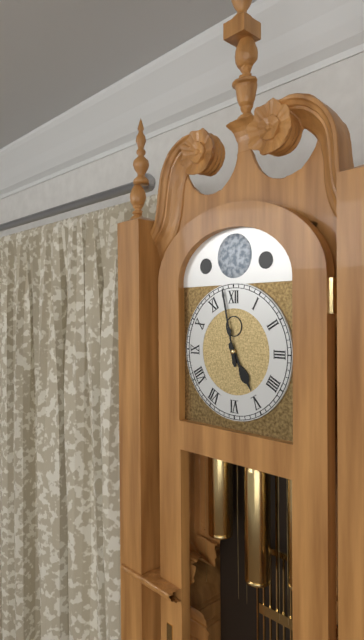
4:58
